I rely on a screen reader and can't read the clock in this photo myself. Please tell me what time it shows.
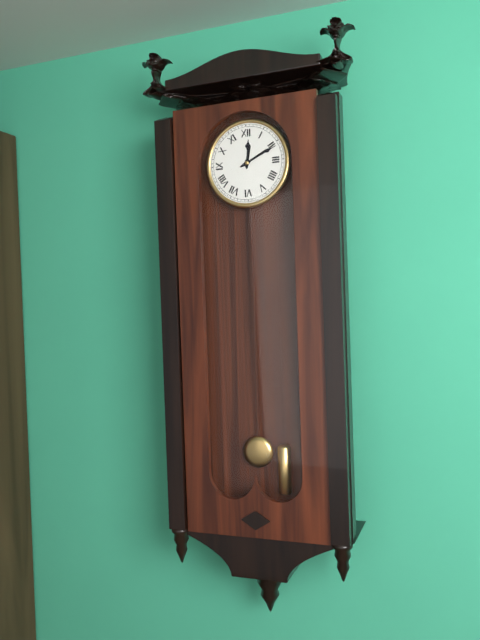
12:11
